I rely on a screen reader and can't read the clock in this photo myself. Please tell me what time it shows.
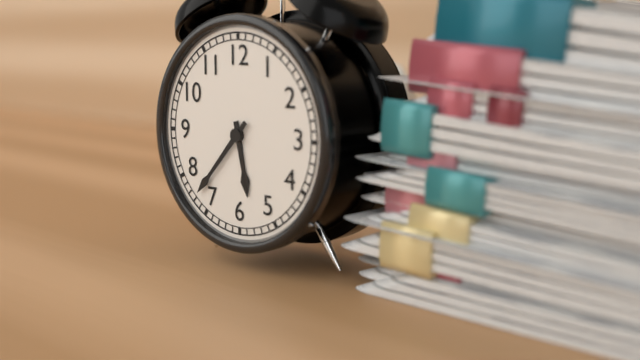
5:37
